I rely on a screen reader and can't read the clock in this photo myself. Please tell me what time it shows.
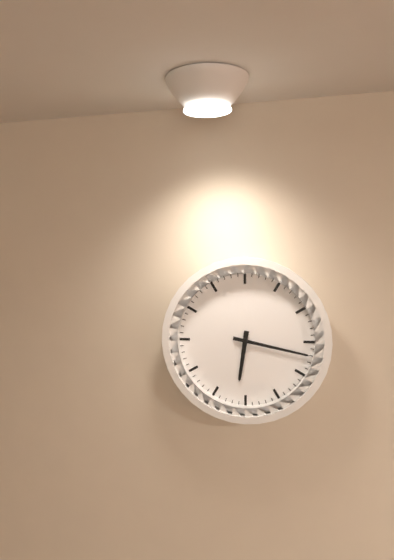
6:17
